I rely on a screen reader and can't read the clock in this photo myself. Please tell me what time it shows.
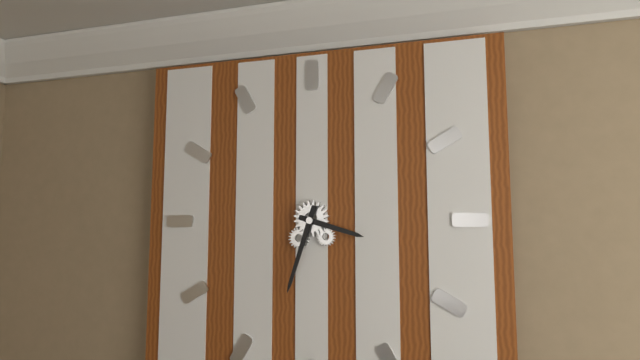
3:33
